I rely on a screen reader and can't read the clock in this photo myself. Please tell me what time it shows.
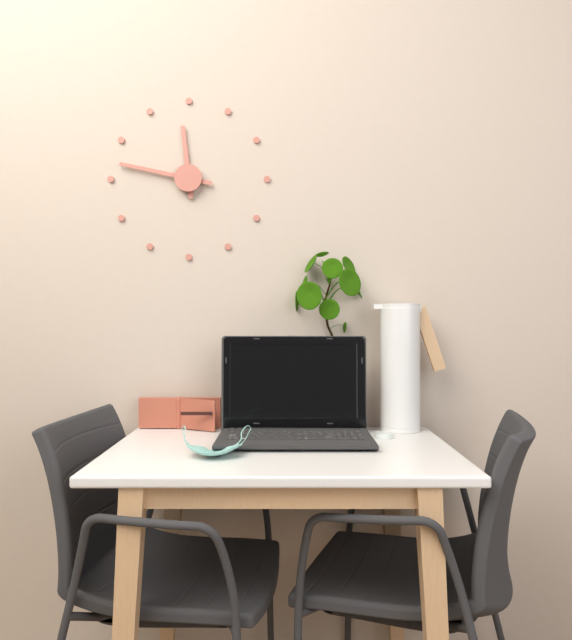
11:47
